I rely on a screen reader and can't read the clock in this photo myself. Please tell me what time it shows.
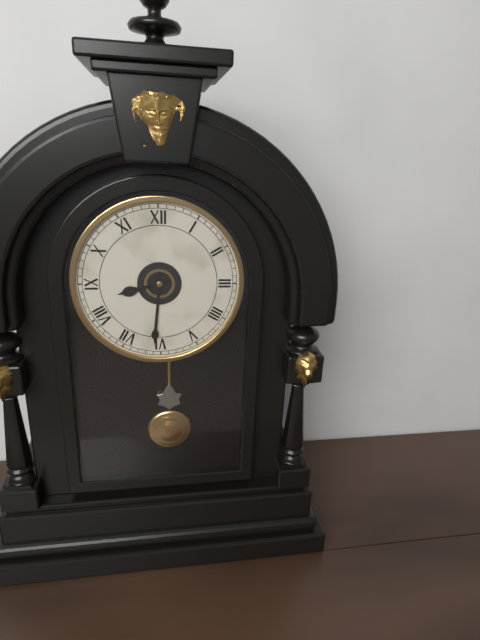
8:31
